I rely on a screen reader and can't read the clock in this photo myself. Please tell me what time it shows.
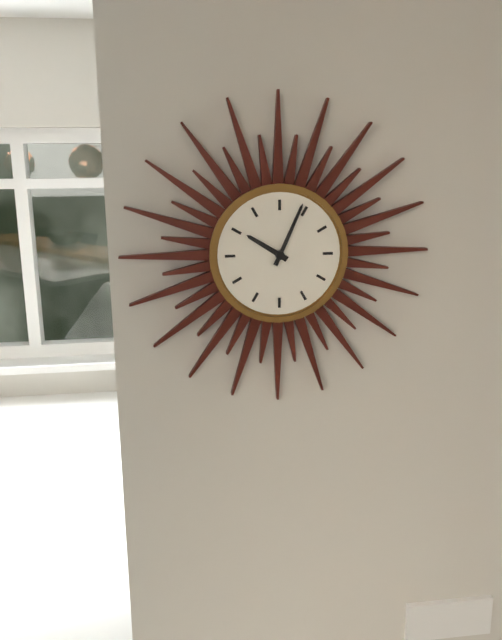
10:04
